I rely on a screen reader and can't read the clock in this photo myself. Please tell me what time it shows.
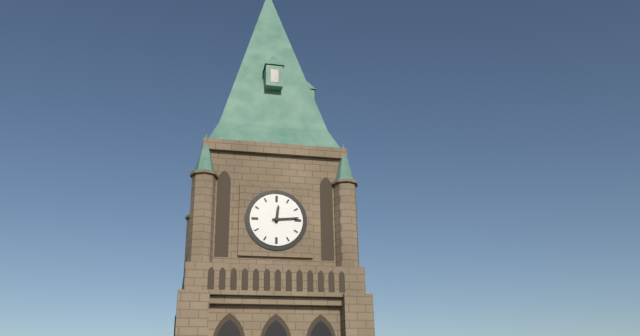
12:14
